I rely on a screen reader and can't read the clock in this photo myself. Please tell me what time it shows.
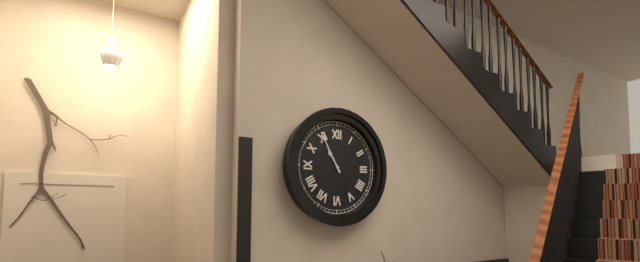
10:55
